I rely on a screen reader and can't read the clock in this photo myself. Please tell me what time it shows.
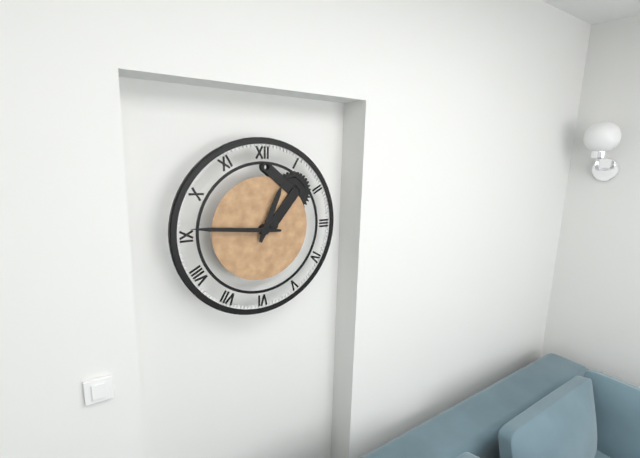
12:46
